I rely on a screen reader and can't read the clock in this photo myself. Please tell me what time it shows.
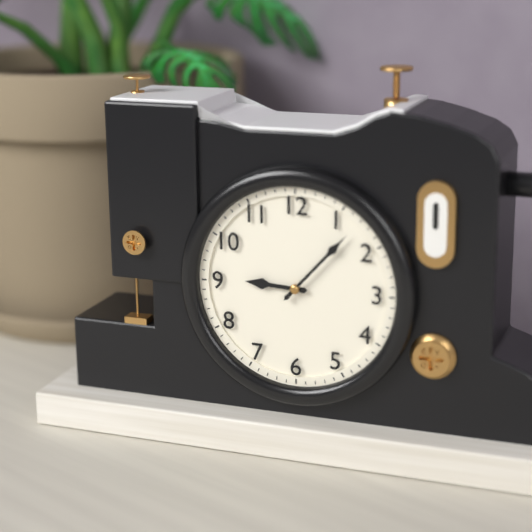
9:07
